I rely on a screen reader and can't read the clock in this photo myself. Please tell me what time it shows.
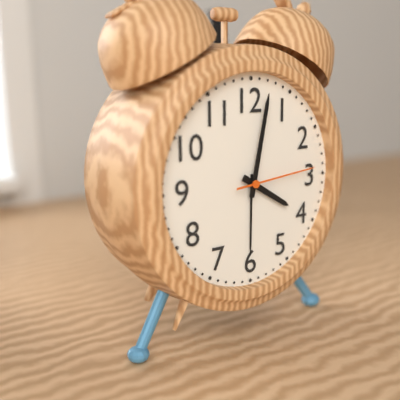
4:02:14
